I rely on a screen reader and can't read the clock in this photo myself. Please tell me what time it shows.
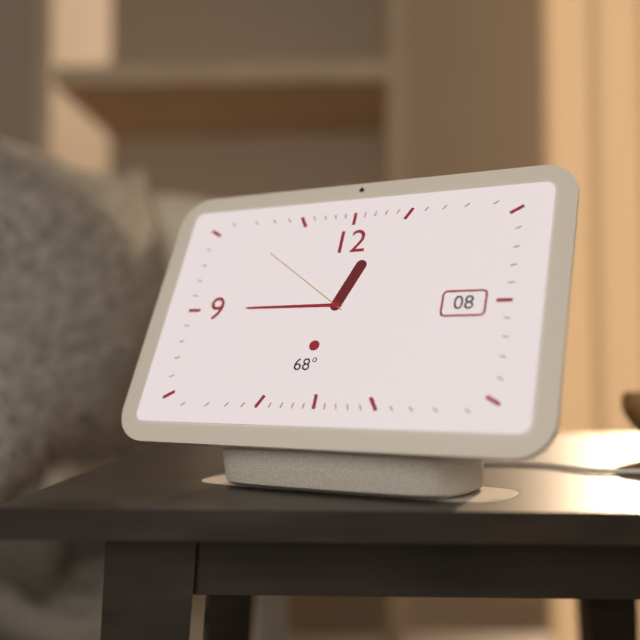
12:45:51
